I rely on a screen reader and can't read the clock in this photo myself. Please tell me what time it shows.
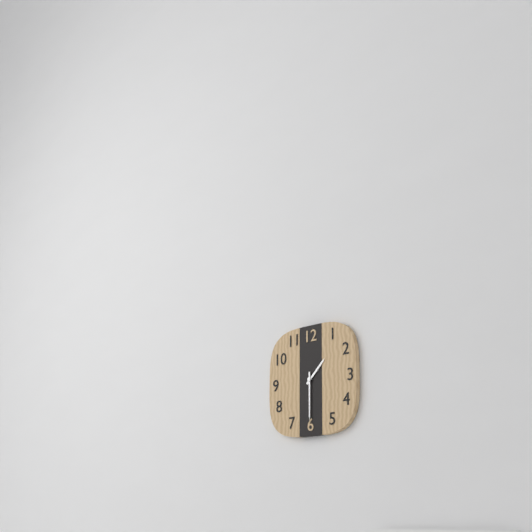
1:30
